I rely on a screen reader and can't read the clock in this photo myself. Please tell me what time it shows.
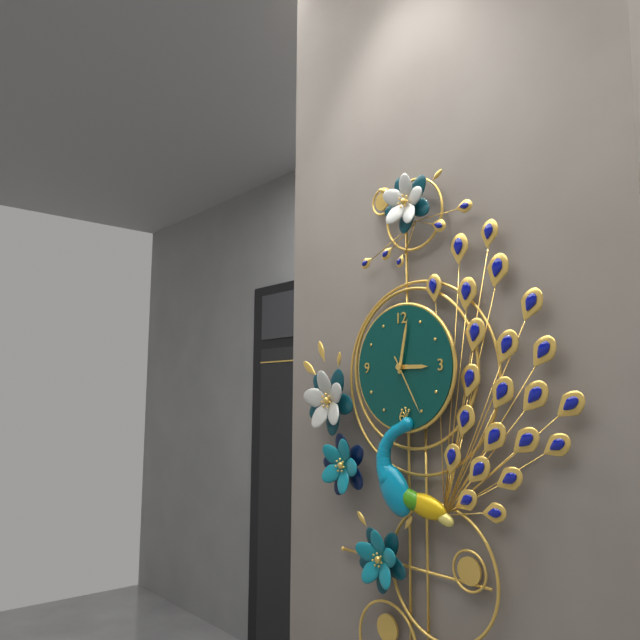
3:02:25
